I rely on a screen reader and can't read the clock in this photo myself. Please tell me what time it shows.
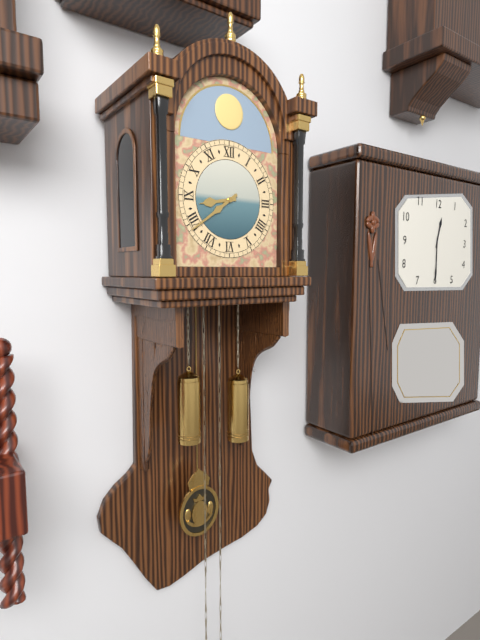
8:39
